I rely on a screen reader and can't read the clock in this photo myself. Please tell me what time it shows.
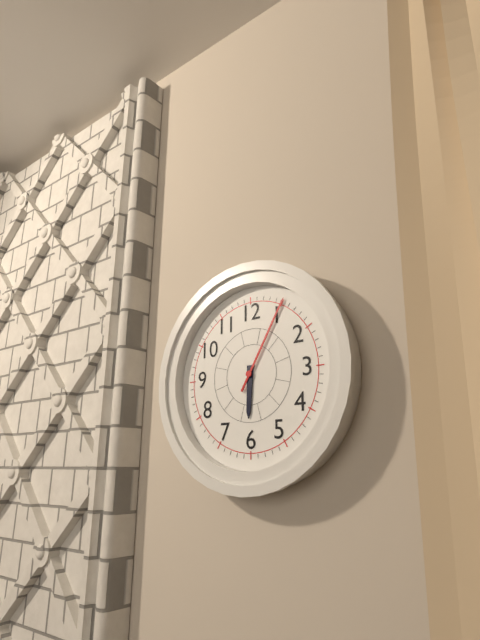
6:05
